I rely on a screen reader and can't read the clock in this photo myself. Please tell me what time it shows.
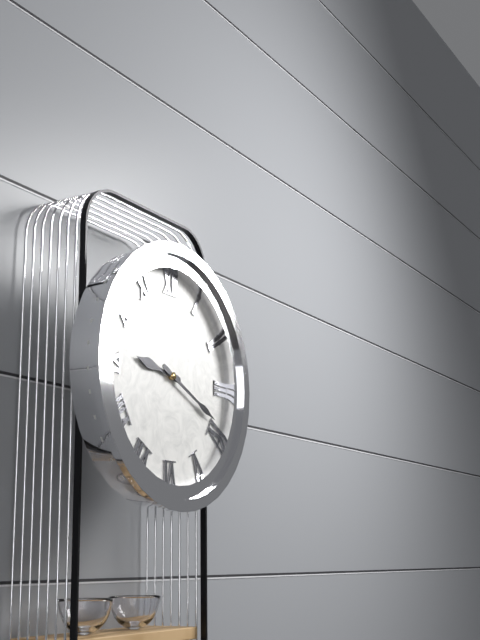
9:19
